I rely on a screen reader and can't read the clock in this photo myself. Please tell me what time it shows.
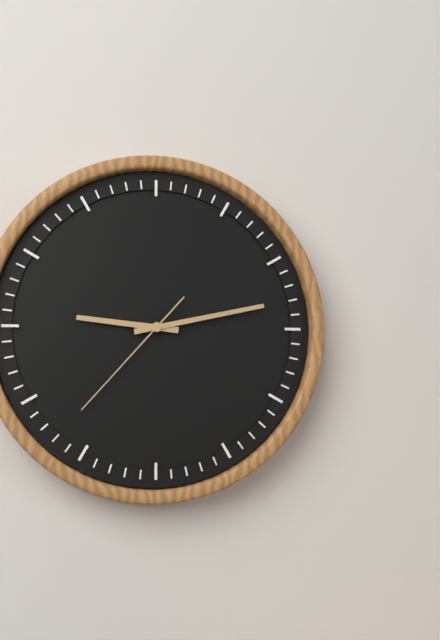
9:13:37
